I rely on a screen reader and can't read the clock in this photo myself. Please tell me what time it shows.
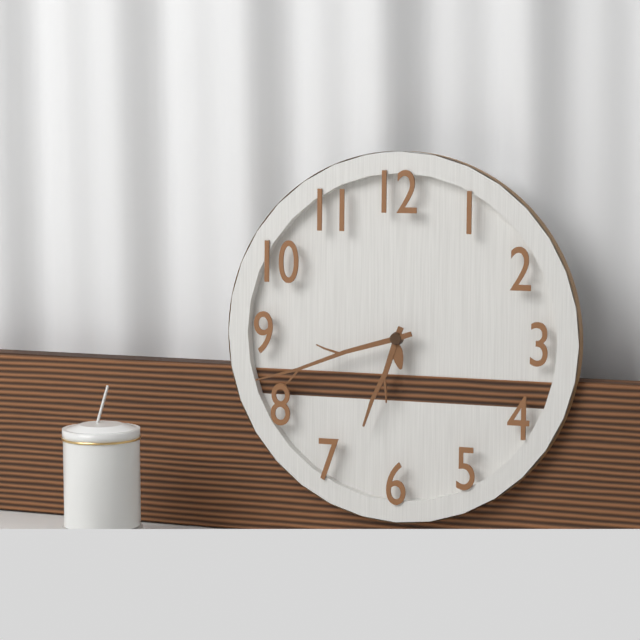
6:42
